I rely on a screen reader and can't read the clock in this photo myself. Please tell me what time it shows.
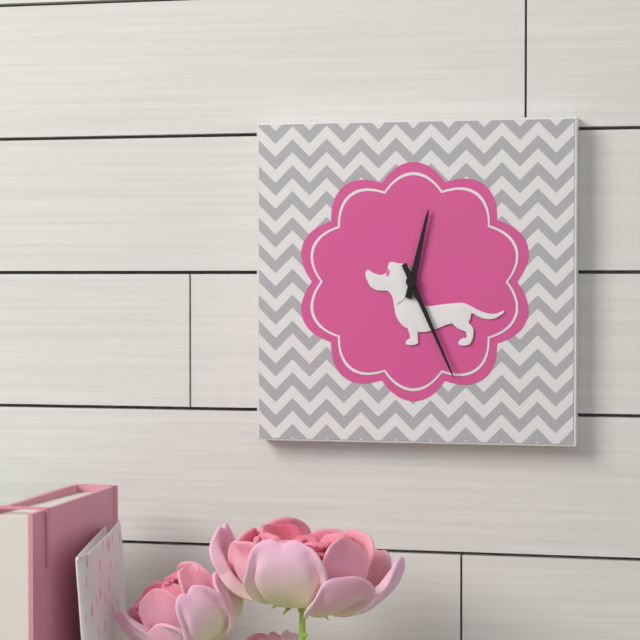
12:26
